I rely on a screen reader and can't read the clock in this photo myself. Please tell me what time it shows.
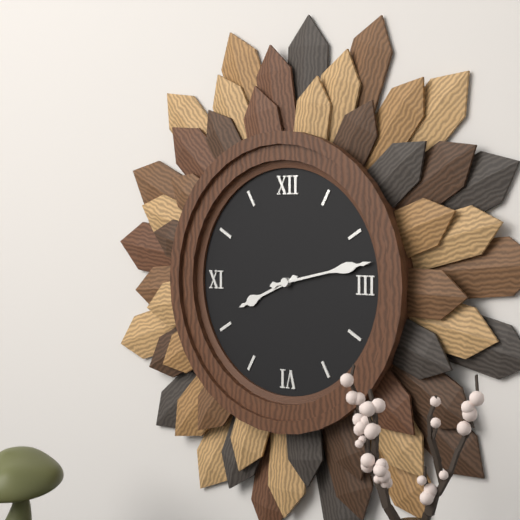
8:13
